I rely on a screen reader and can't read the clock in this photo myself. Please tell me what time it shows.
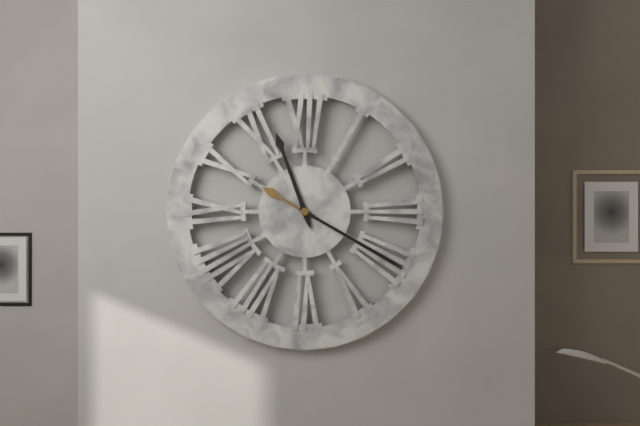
11:20
